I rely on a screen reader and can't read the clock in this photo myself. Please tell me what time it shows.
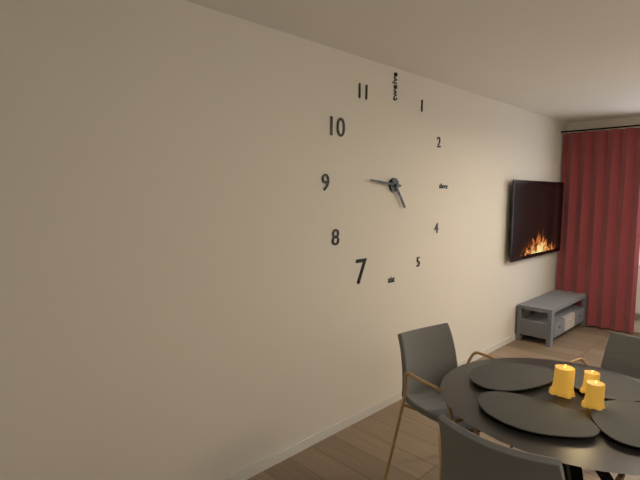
4:46
